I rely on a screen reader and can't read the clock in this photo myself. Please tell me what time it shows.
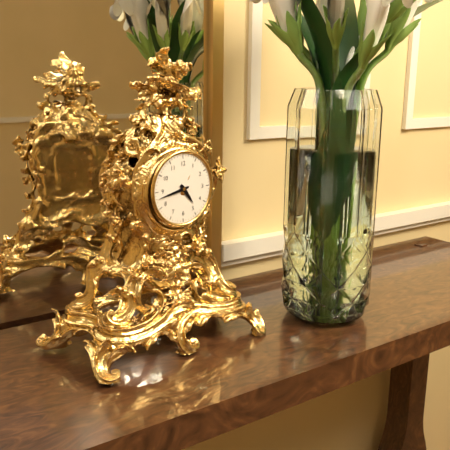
4:43
